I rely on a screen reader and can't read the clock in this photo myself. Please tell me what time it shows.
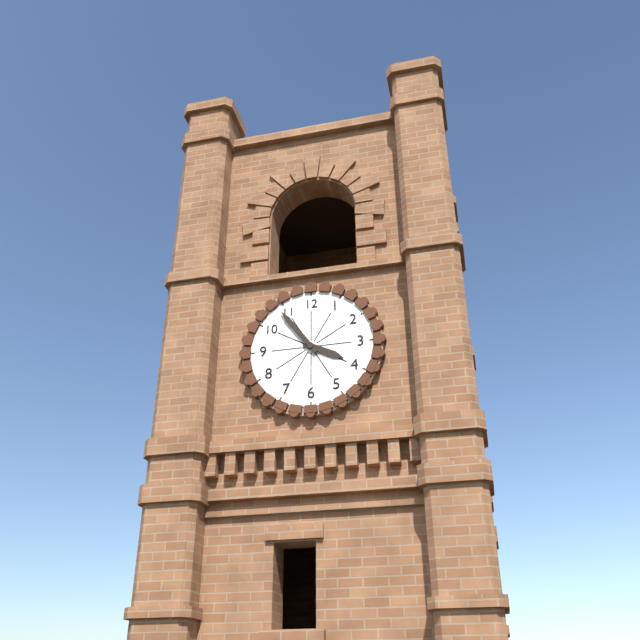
3:54
